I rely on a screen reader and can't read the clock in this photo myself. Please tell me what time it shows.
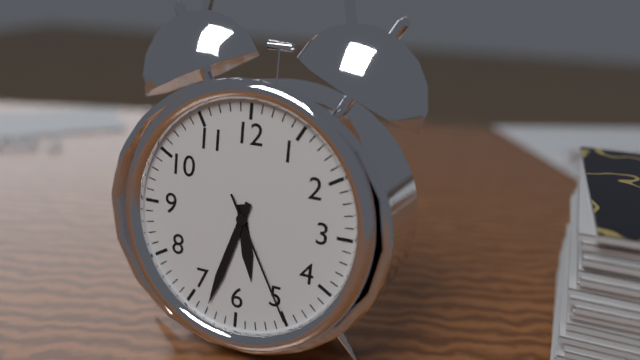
5:33:25
